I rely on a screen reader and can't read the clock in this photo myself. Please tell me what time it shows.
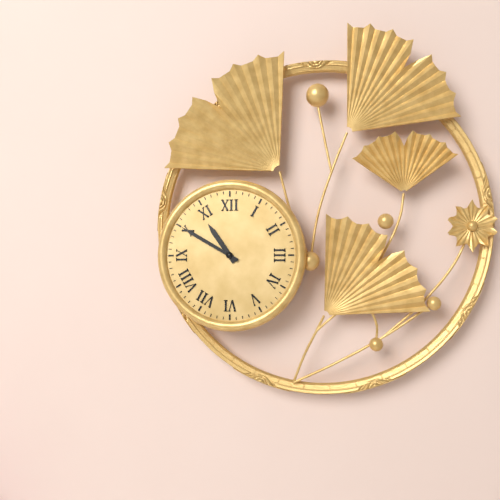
10:50
